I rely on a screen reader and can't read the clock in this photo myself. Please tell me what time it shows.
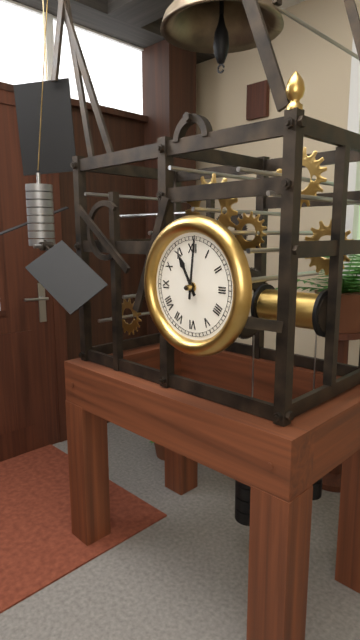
11:01
